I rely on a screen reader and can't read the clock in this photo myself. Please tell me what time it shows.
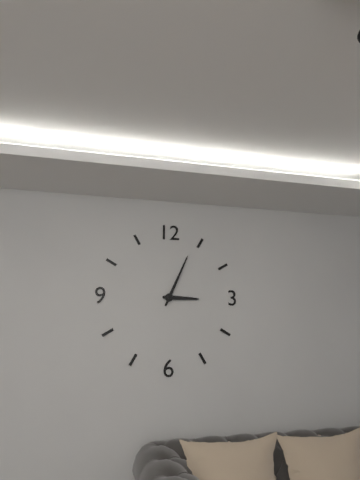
3:04
